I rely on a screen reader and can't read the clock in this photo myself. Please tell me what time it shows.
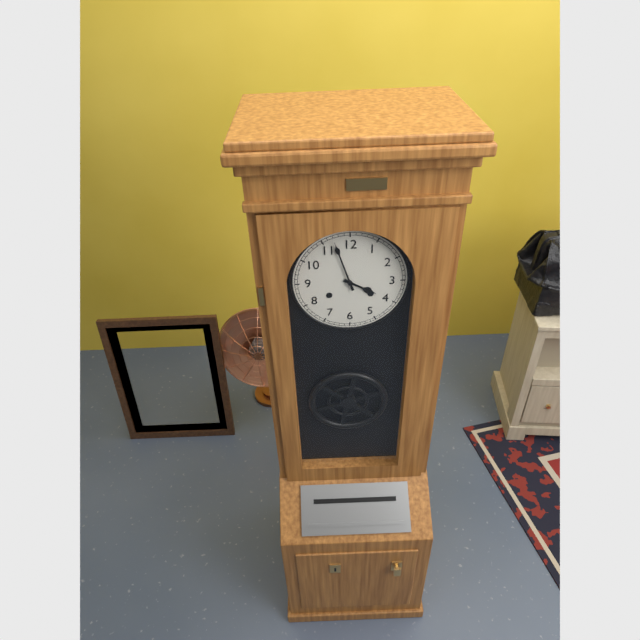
3:57
